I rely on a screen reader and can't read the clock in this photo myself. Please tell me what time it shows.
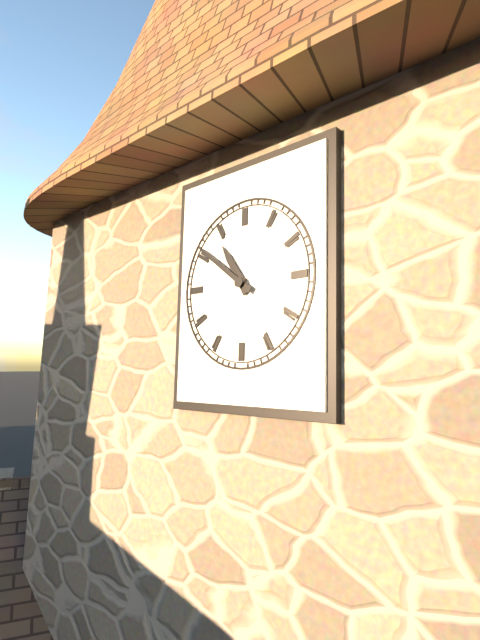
10:51
